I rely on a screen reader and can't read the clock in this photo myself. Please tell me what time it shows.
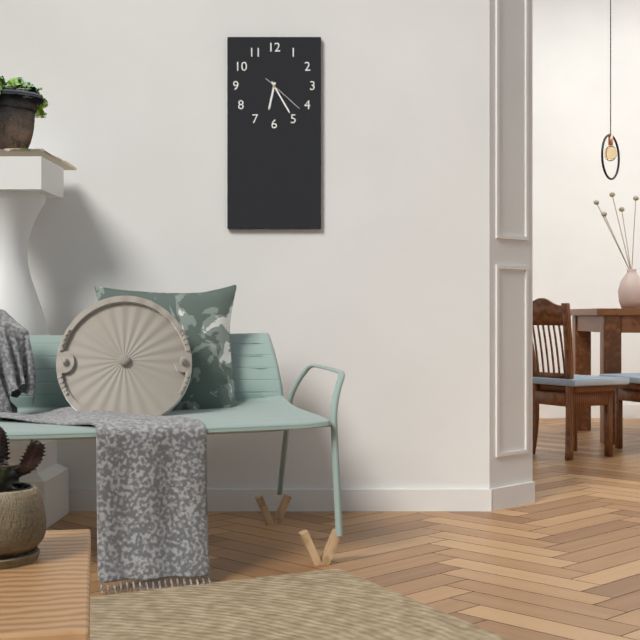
6:25
